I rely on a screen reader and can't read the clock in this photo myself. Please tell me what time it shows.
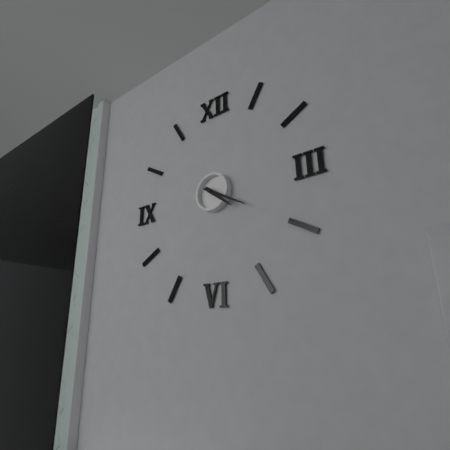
4:20
